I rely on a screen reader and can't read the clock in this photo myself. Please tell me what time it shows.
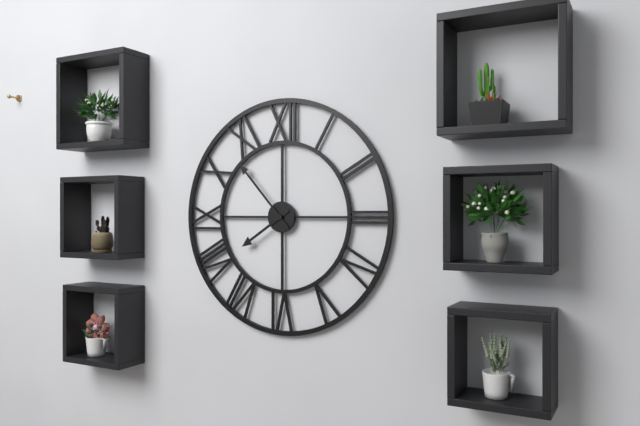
7:53
